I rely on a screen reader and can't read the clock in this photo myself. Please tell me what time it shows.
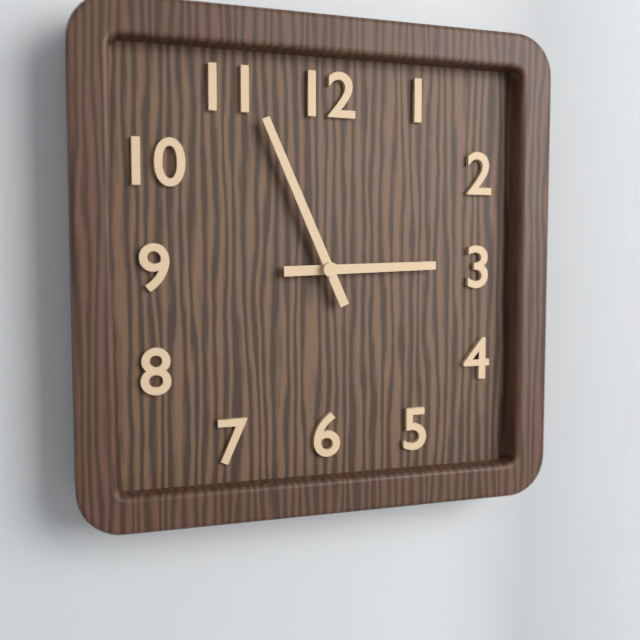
2:56
